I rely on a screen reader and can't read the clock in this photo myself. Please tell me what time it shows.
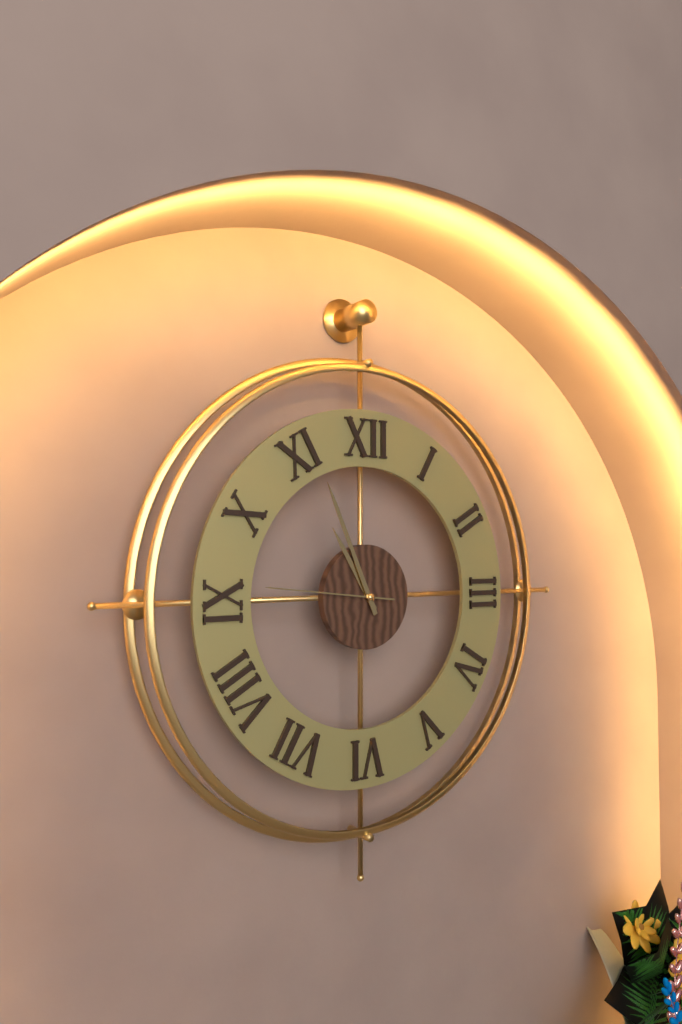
10:56:46
